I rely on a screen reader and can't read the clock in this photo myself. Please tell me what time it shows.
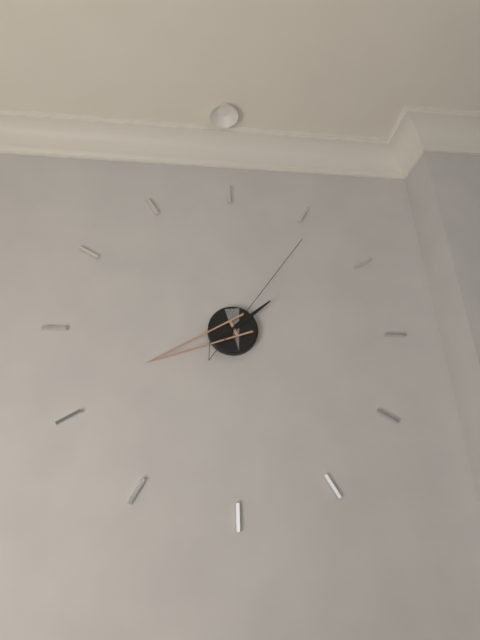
1:41:06
